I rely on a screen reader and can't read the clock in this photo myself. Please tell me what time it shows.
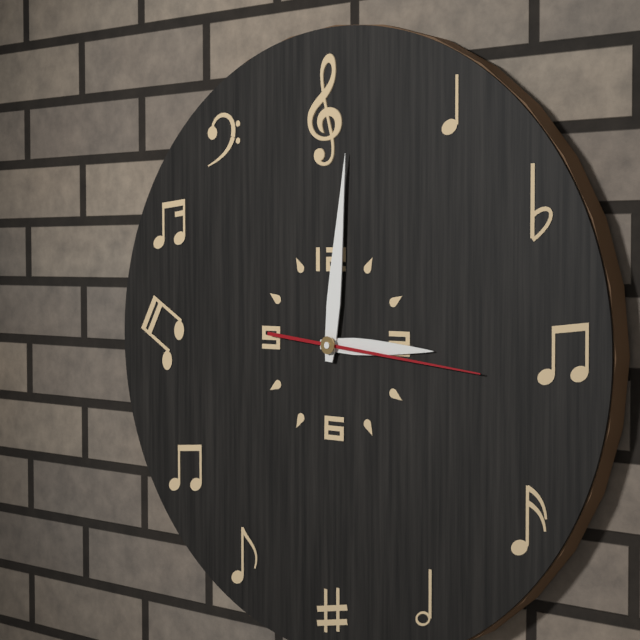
3:01:16
